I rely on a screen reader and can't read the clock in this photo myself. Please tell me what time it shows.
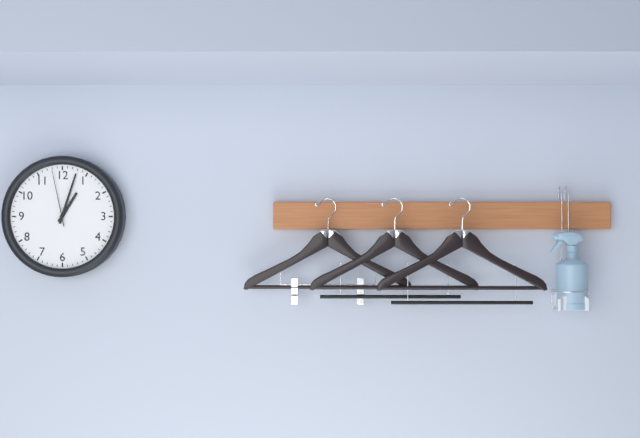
1:03:58
